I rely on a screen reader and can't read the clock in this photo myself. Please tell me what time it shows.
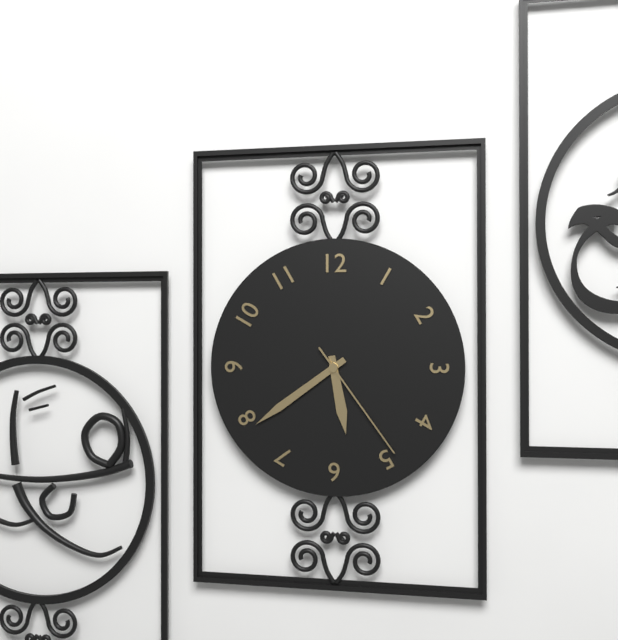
5:39:24
